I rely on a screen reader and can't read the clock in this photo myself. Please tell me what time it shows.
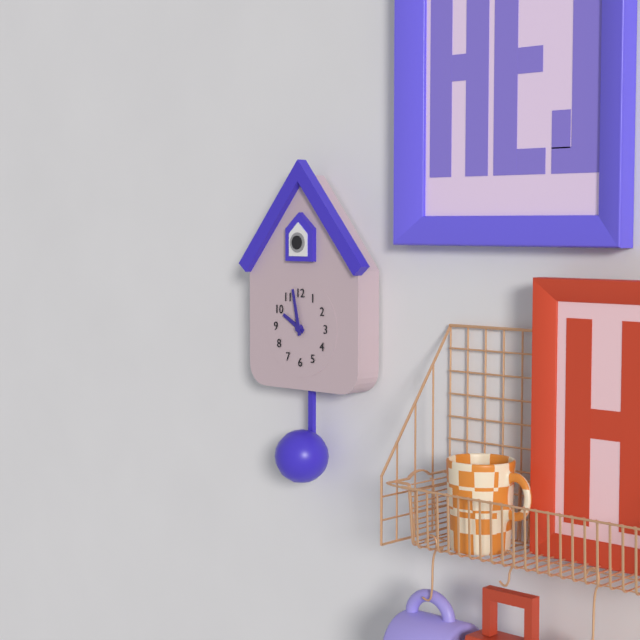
9:58
